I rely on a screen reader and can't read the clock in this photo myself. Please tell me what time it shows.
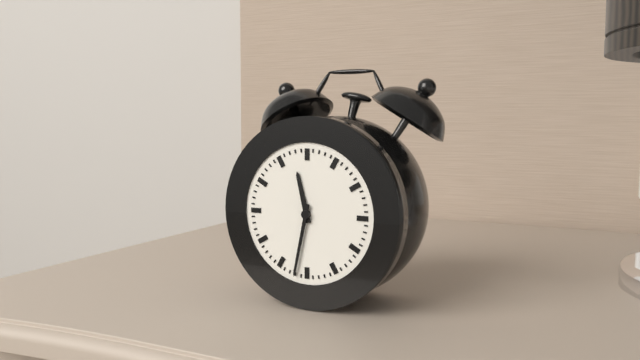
11:32
